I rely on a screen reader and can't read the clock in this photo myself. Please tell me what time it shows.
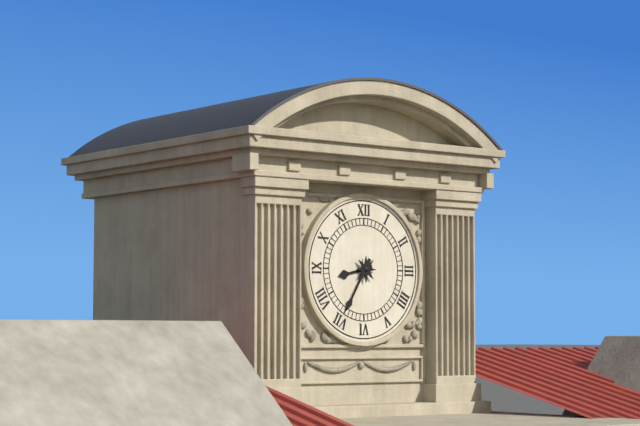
8:35
